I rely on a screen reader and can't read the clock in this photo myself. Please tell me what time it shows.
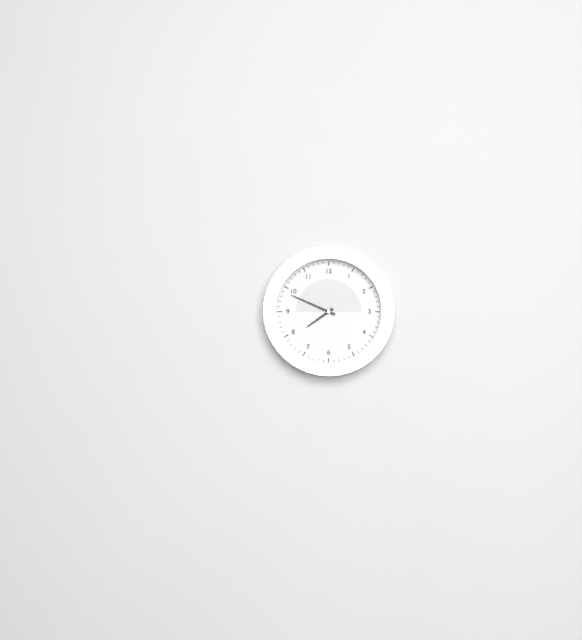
7:49
